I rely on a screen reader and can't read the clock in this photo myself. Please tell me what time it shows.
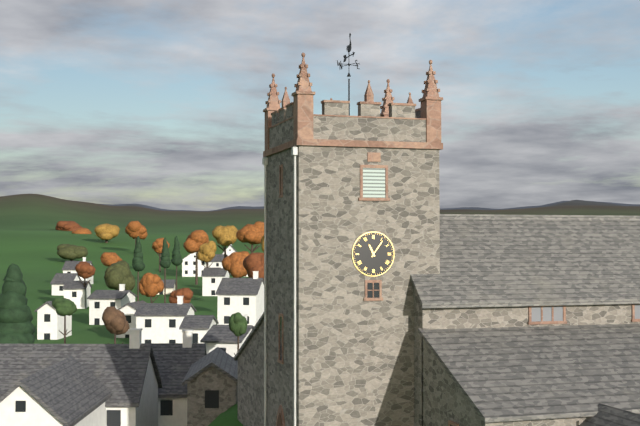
11:06
